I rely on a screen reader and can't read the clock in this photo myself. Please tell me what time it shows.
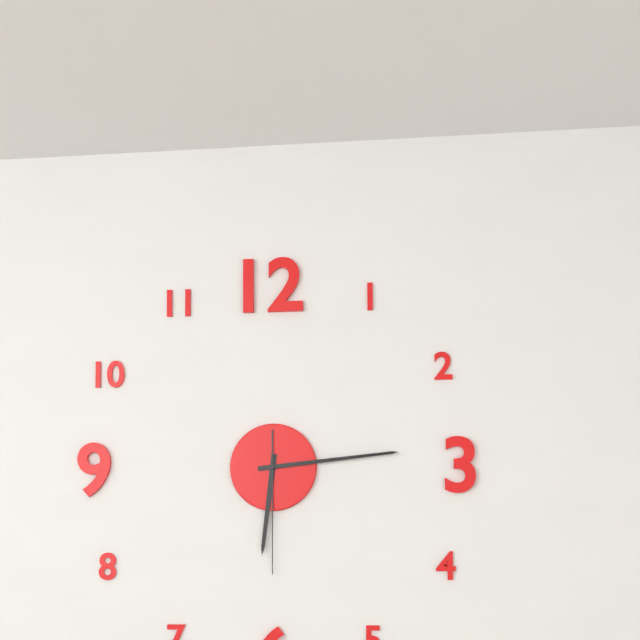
6:14:30
